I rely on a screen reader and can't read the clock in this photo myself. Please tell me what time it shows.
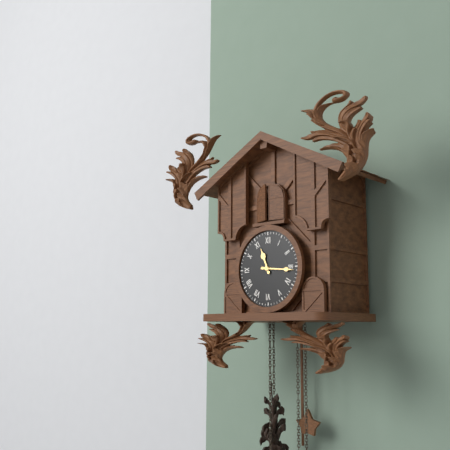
11:16
